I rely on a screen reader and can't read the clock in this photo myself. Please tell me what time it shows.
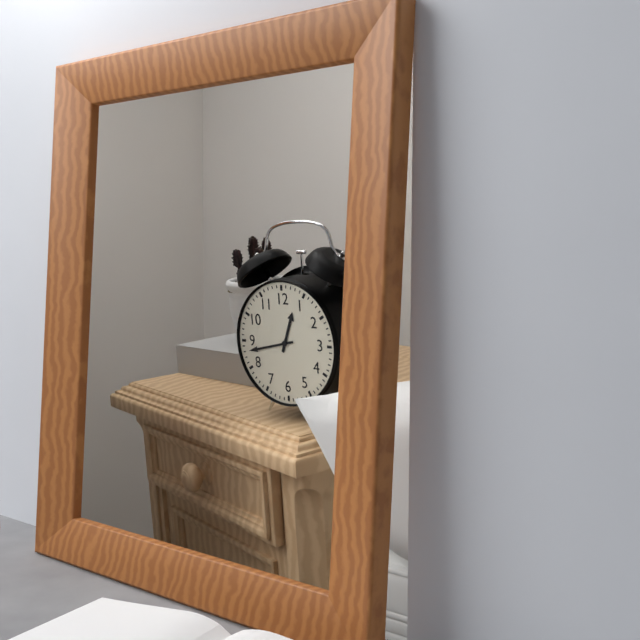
12:43
